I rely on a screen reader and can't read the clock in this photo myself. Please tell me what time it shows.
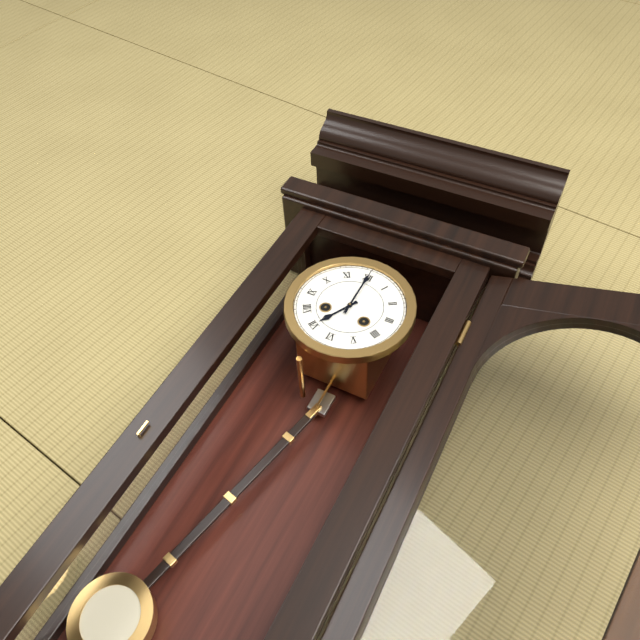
7:00
